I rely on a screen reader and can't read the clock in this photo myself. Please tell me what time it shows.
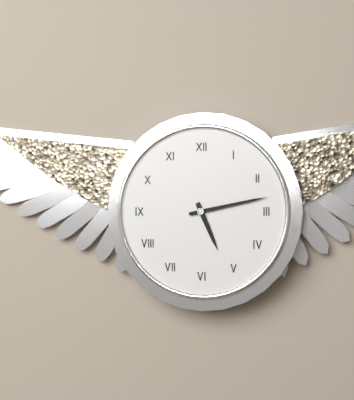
5:13
